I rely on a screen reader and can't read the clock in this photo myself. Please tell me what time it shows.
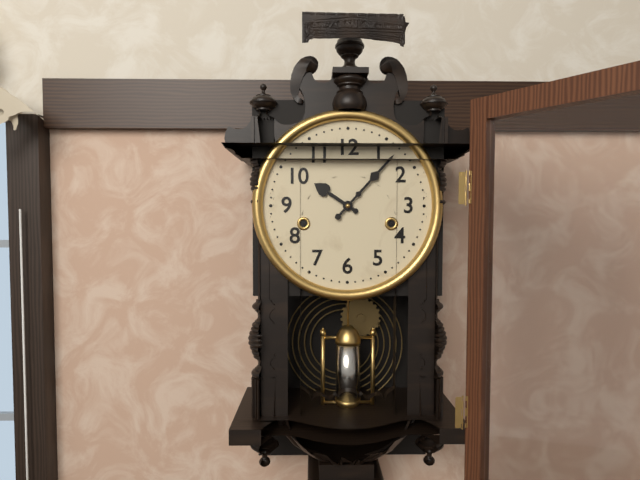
10:07
